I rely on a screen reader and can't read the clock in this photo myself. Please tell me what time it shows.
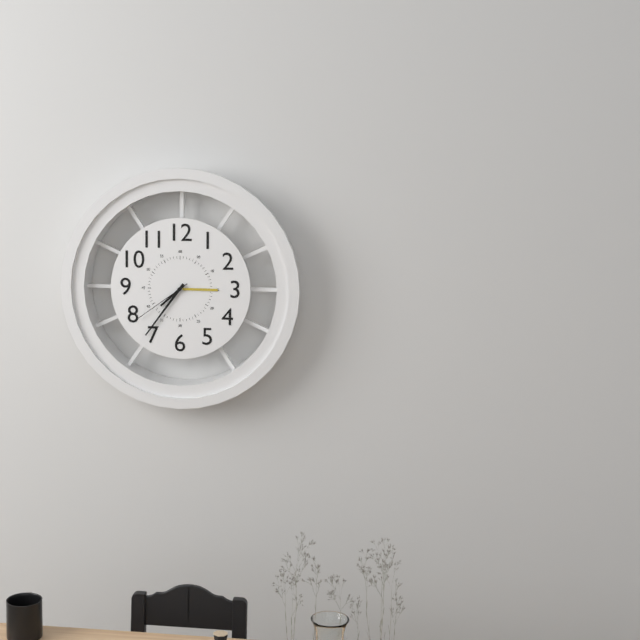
7:36:39
